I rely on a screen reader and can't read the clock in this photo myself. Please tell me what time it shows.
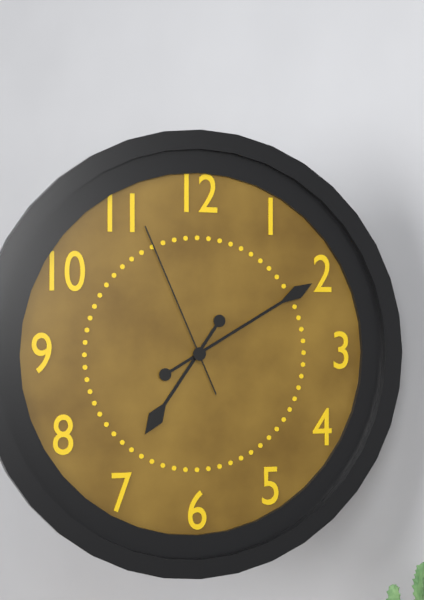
7:10:56
